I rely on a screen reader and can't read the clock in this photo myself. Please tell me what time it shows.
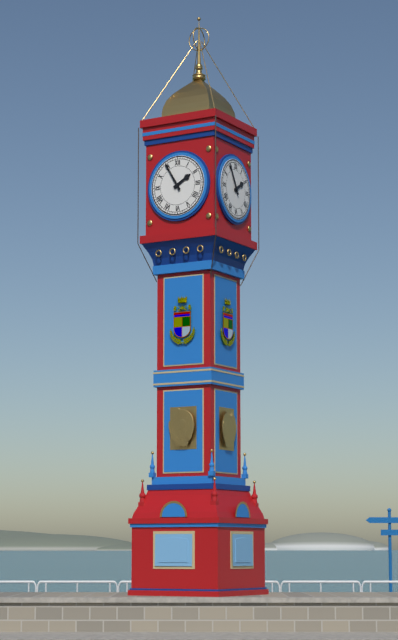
1:55
